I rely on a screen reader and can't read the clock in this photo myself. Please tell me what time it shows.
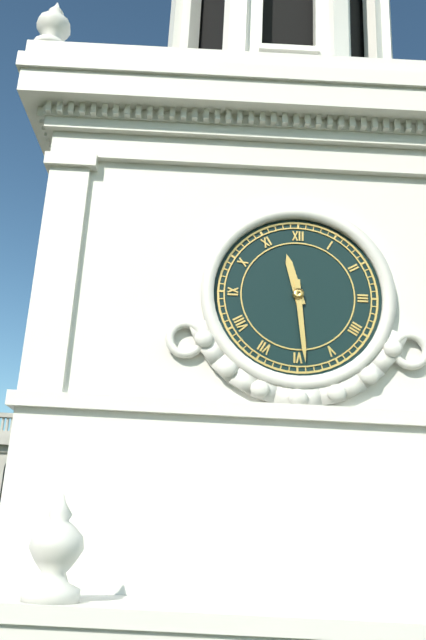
11:29
